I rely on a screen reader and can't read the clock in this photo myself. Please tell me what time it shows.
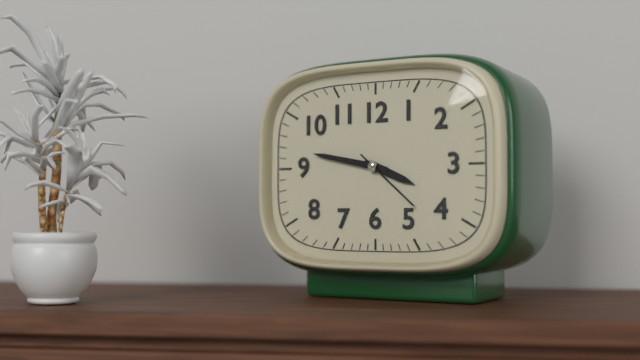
3:47:22
